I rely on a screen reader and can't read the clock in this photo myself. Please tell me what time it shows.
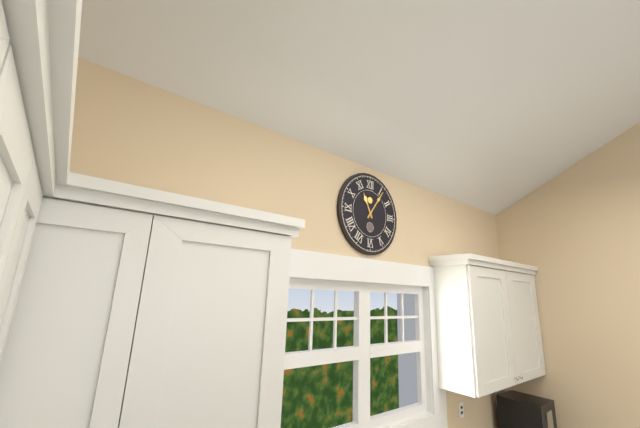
11:06
